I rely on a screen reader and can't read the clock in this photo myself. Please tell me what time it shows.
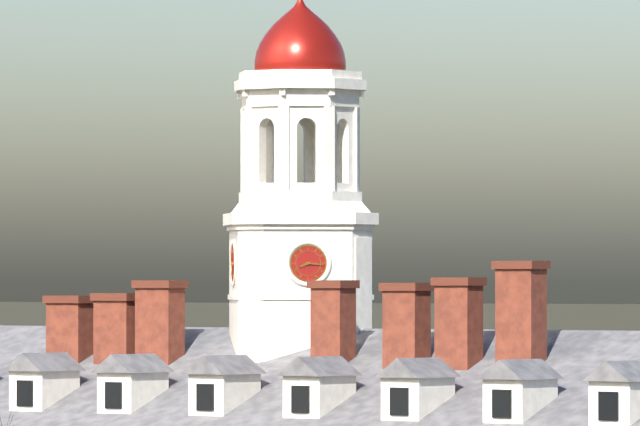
8:16
